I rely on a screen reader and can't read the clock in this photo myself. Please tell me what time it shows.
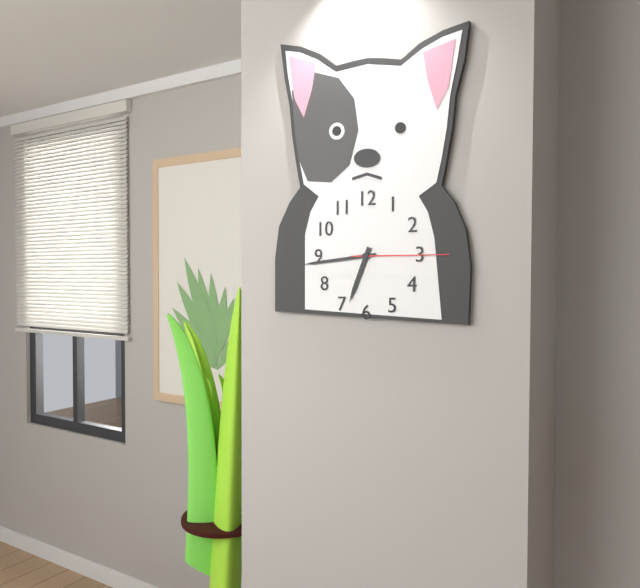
6:44:15
